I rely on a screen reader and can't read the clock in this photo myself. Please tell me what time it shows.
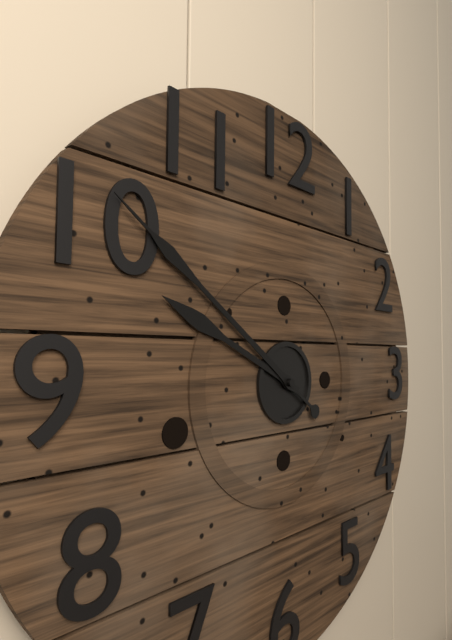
9:51
